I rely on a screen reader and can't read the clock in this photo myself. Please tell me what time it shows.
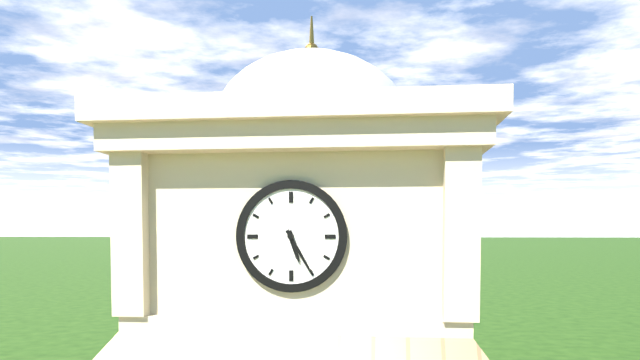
5:25
